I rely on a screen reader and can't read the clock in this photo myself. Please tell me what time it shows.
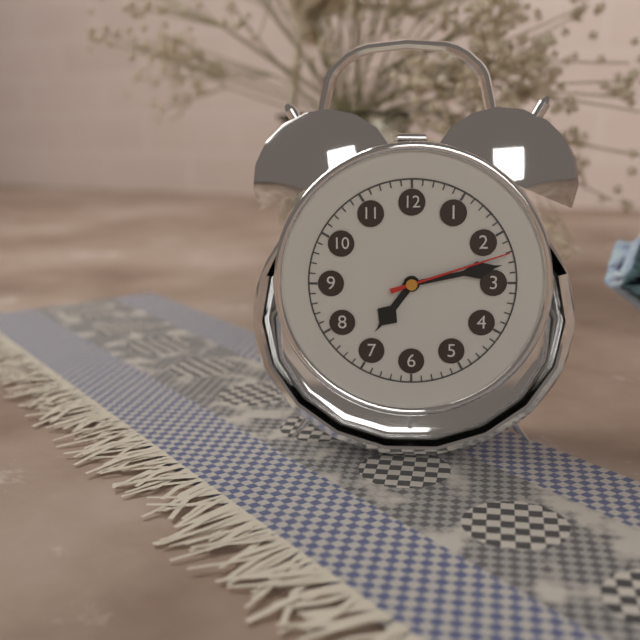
7:13:12
